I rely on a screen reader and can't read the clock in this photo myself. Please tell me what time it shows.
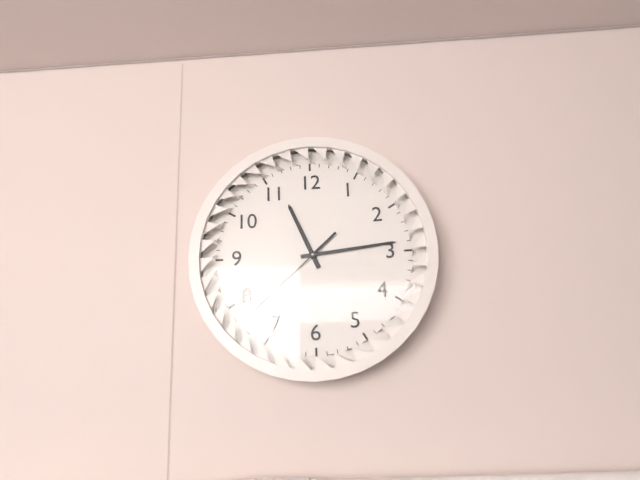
11:14:38
